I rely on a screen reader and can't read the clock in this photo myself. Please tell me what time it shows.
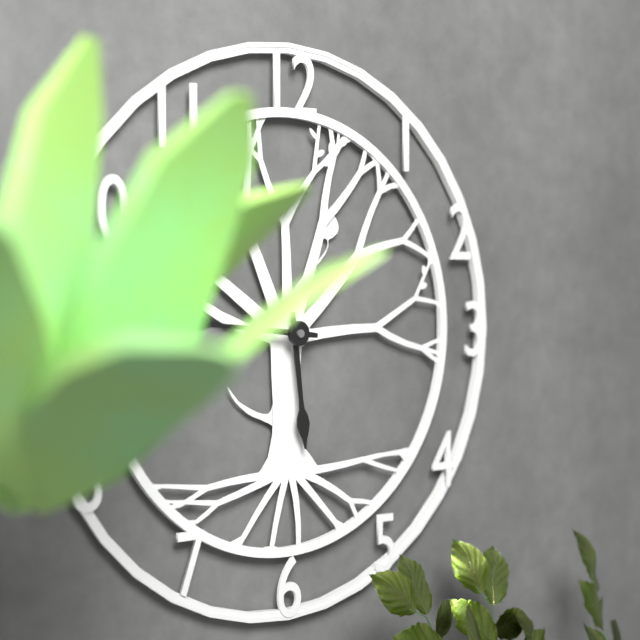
5:46
